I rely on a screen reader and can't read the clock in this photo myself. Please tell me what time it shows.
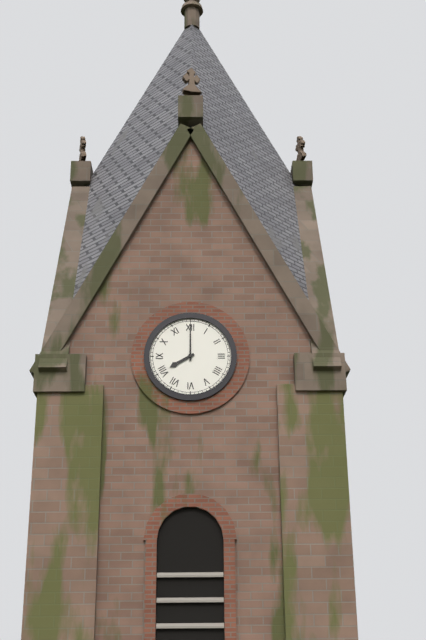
8:00
